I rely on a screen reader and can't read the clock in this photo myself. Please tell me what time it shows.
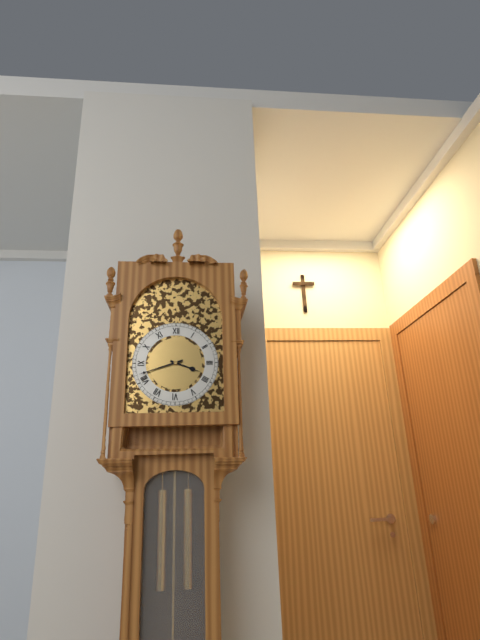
3:42
